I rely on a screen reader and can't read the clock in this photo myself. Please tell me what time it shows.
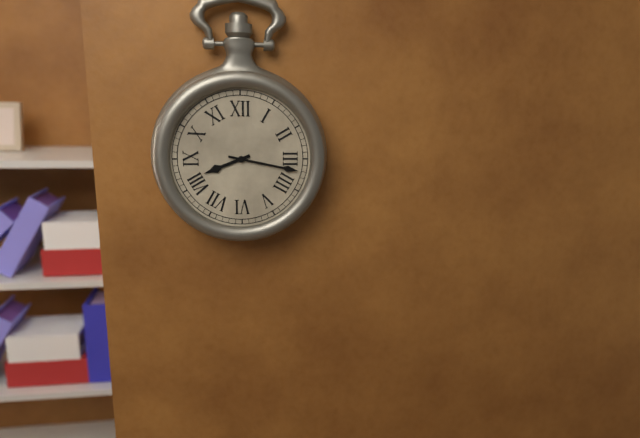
8:17
